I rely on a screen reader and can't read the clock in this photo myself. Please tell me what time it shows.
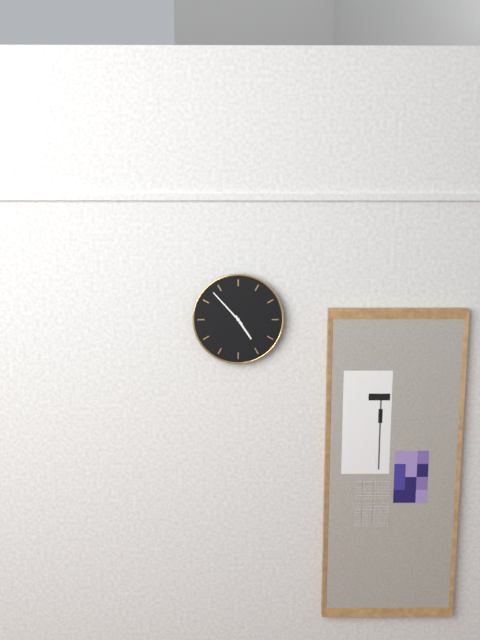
4:53
